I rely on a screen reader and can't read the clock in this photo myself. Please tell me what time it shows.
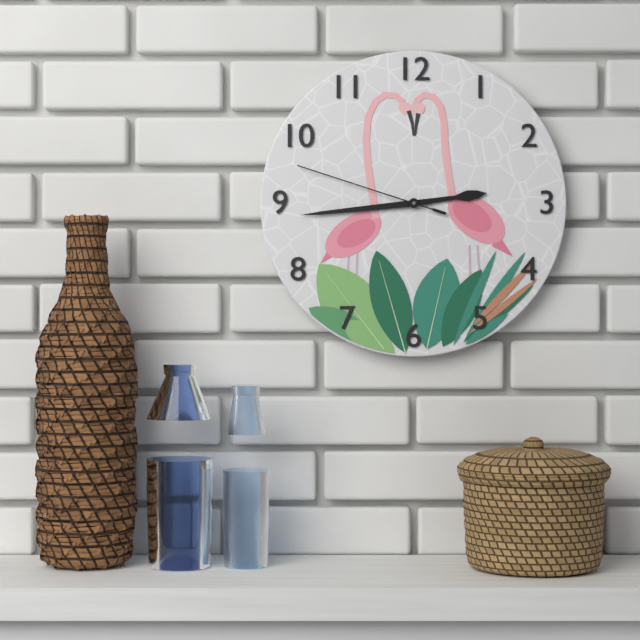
2:44:48
